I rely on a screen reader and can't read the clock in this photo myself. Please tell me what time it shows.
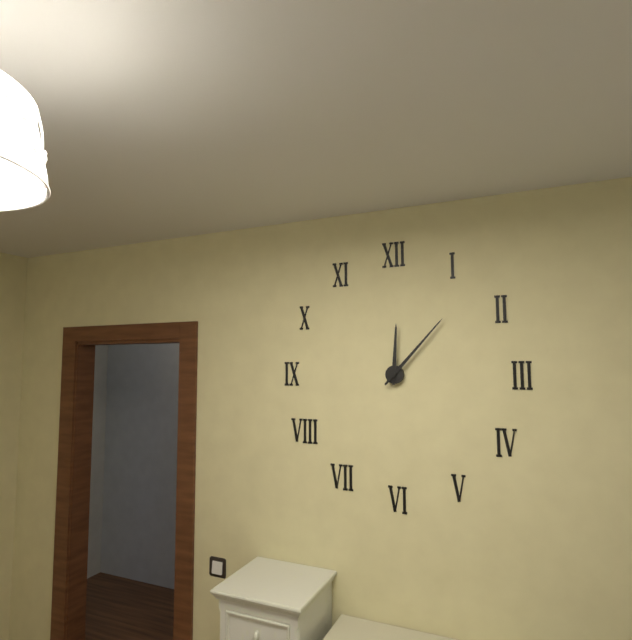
12:07
